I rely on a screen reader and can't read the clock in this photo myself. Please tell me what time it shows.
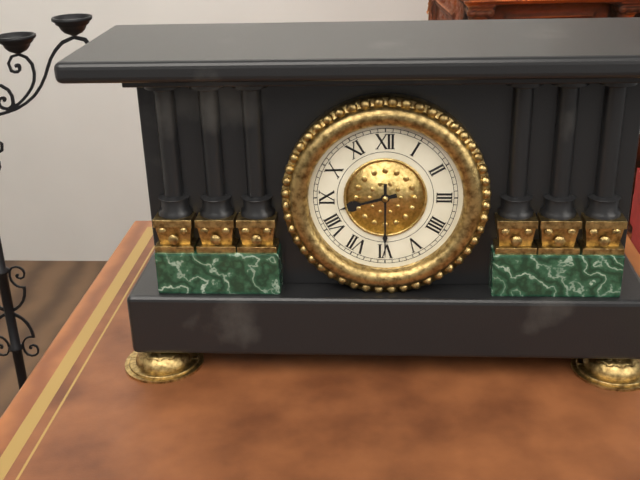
8:30
